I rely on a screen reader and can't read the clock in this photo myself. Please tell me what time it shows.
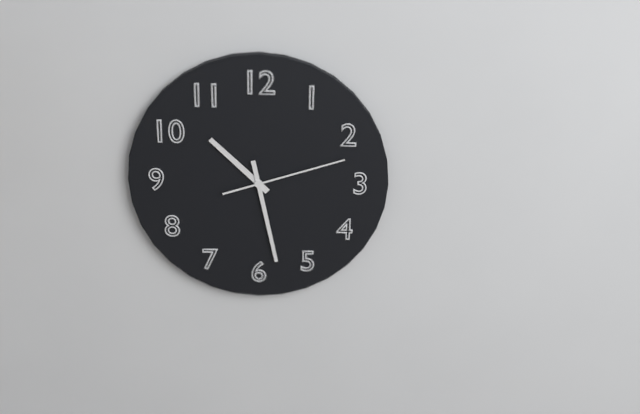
10:28:12
